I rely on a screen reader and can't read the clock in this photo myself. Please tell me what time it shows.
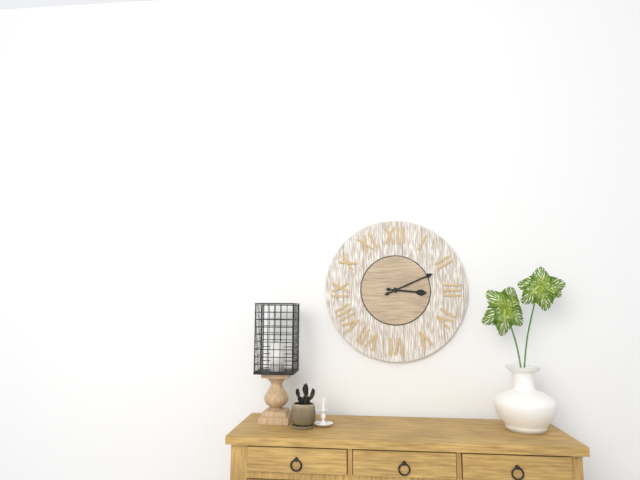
3:11
